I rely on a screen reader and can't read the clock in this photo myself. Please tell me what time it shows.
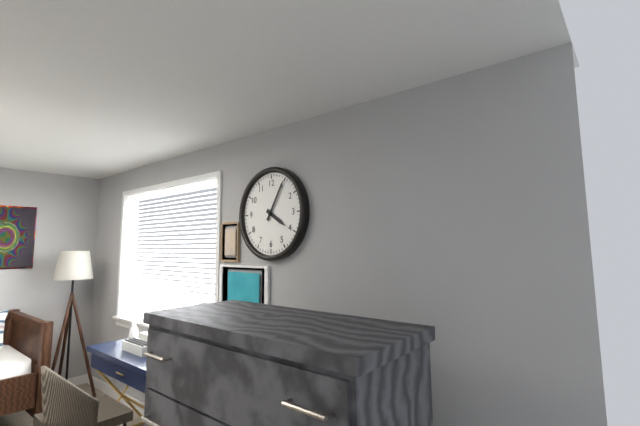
4:05
